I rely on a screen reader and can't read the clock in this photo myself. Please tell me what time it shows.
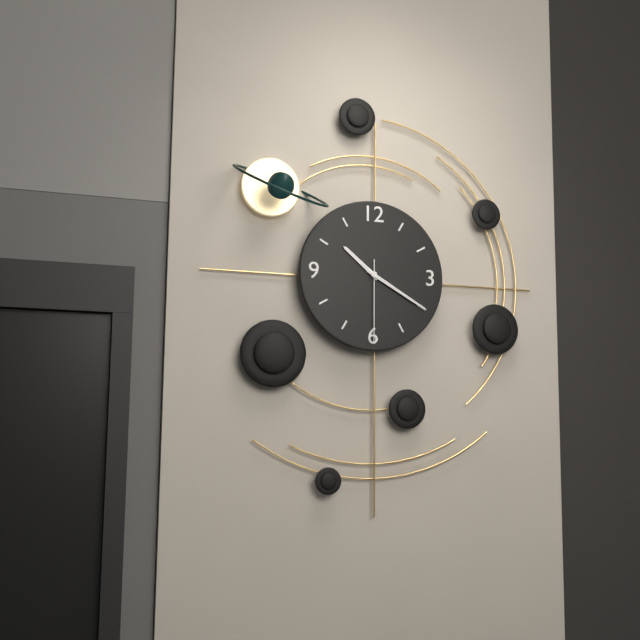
10:20:30
